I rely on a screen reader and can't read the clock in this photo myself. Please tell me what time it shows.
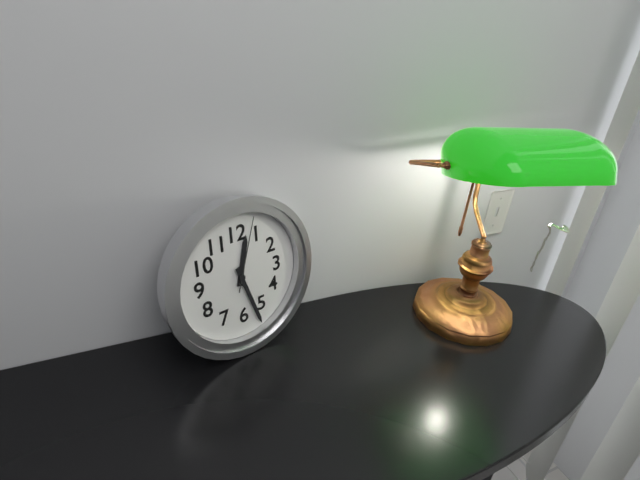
12:27:03
